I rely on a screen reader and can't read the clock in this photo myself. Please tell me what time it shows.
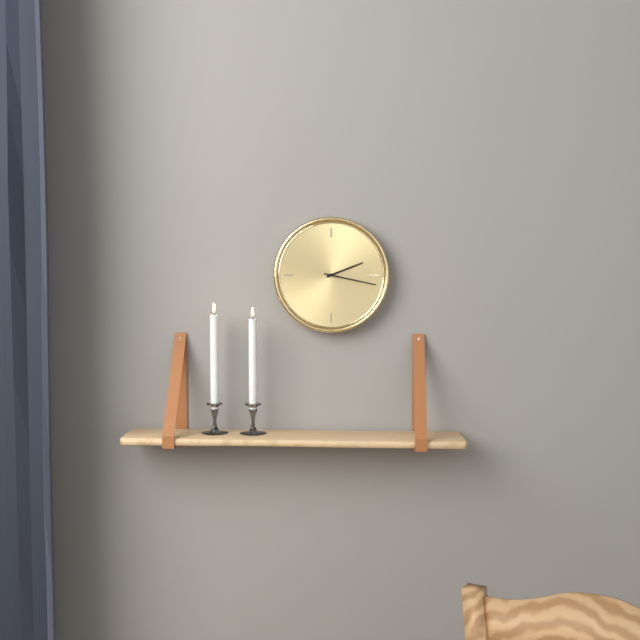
2:17
